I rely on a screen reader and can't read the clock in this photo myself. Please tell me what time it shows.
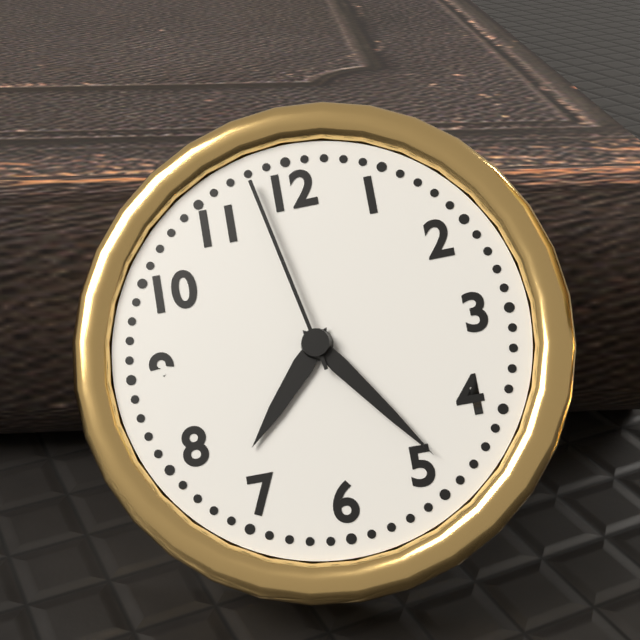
7:24:58
